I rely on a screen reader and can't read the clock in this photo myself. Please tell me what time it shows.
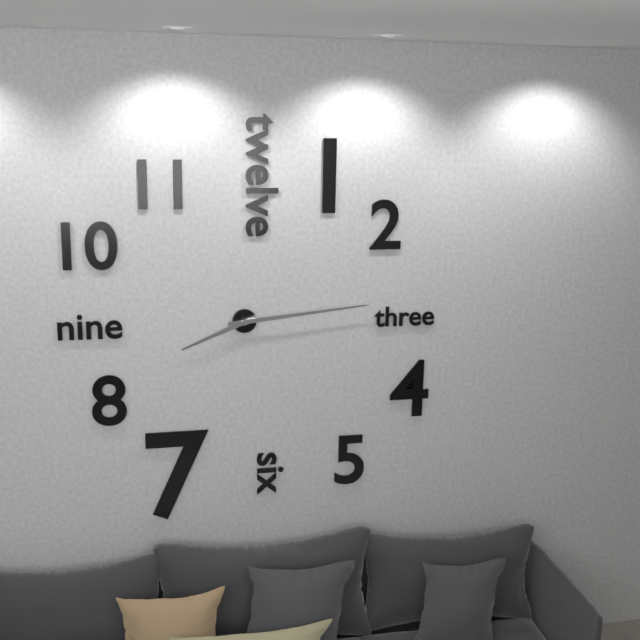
8:14
